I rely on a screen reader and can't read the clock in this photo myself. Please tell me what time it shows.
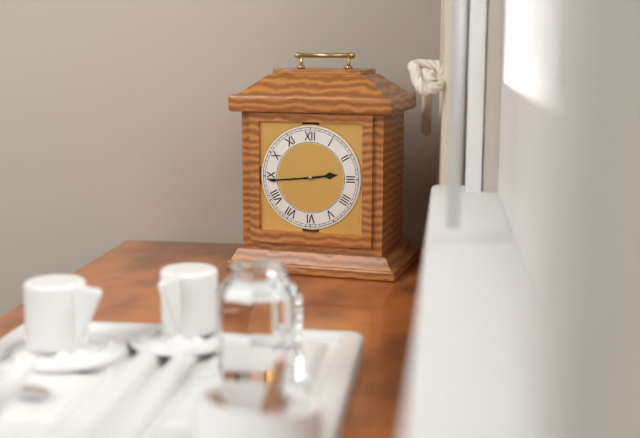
2:44
